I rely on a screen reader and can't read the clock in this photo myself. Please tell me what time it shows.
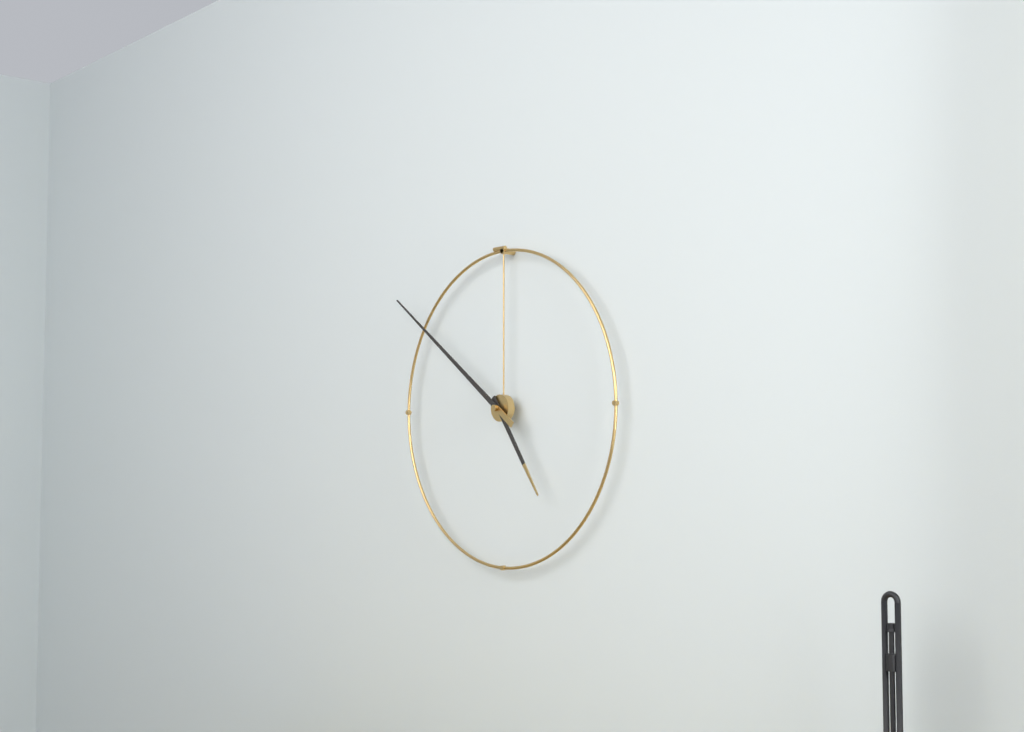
4:51
